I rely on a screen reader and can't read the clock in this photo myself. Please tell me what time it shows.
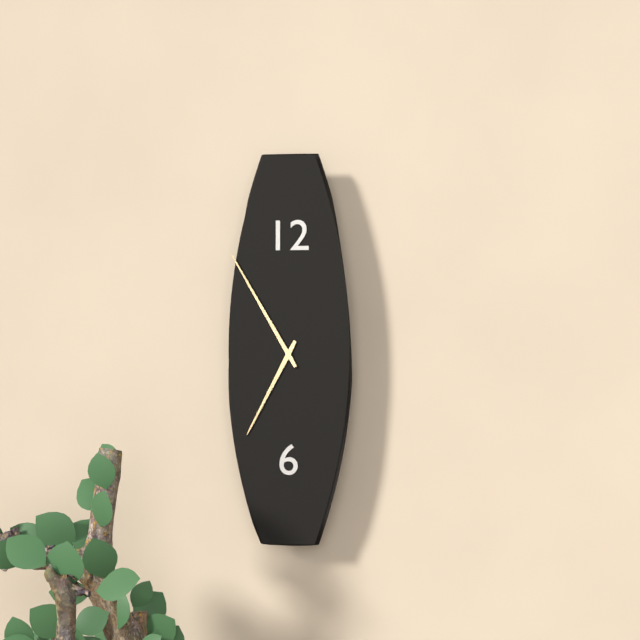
6:55
